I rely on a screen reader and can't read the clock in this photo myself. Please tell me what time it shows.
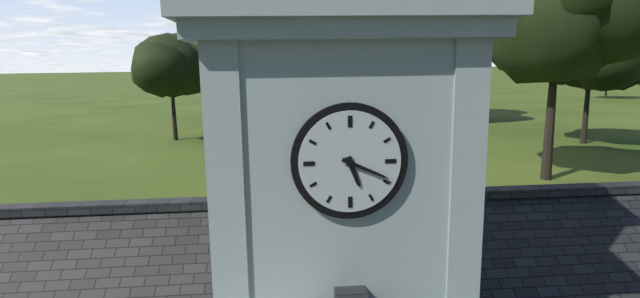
5:19
